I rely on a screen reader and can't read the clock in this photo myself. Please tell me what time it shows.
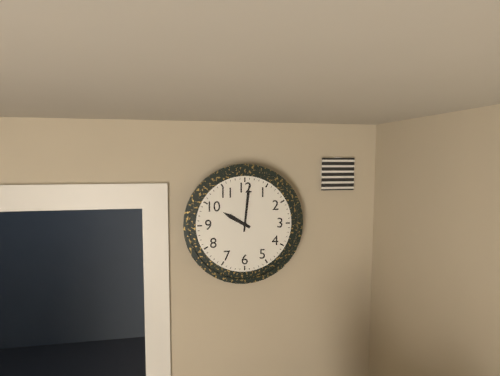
10:01
